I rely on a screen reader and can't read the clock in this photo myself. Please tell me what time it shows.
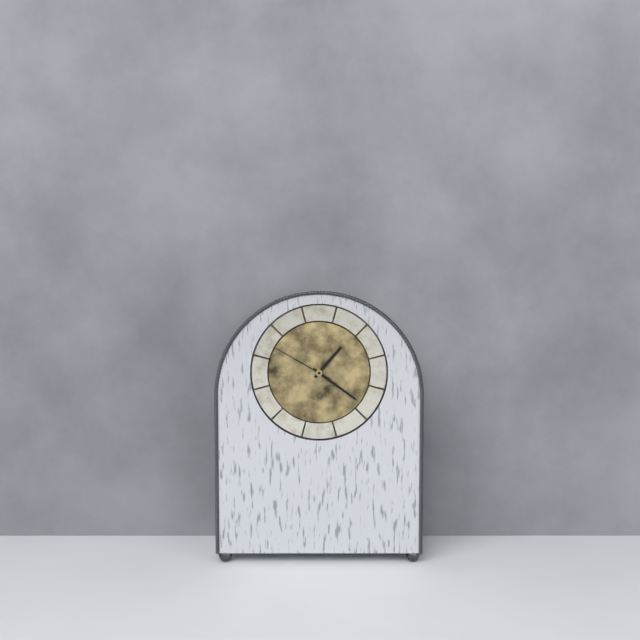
1:21:50
